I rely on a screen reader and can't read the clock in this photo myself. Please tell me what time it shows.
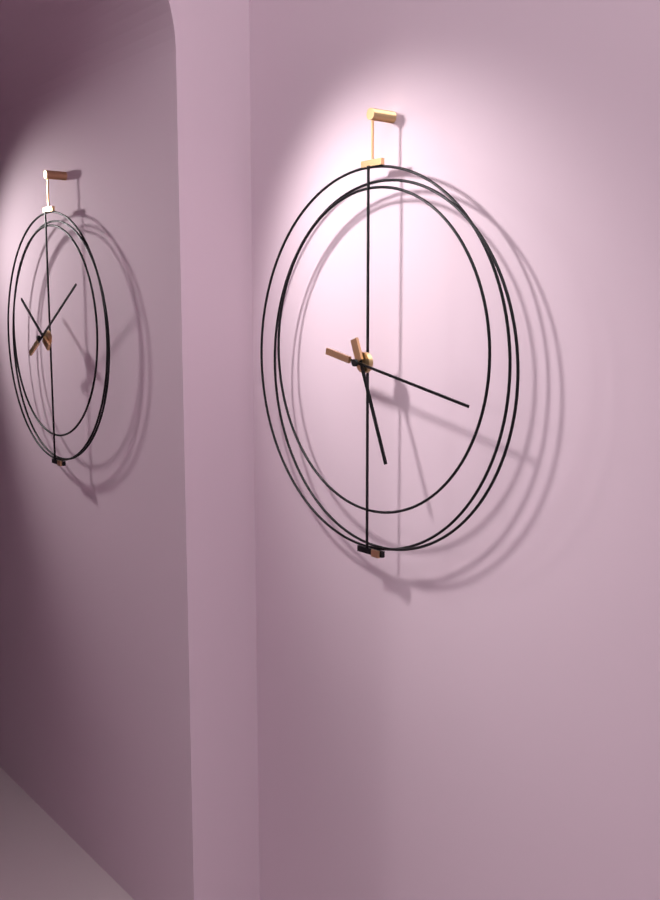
5:17
